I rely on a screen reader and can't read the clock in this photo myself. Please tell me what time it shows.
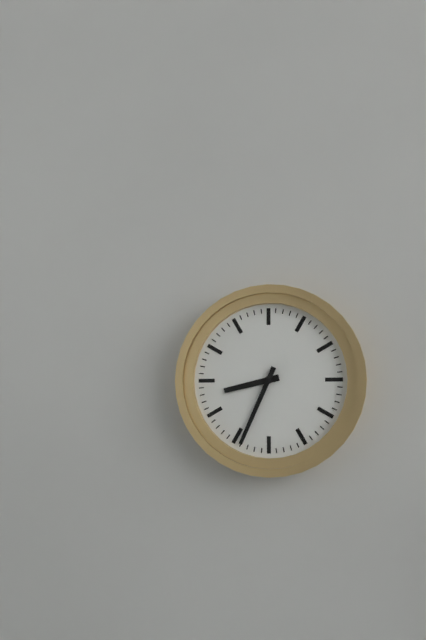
8:34
